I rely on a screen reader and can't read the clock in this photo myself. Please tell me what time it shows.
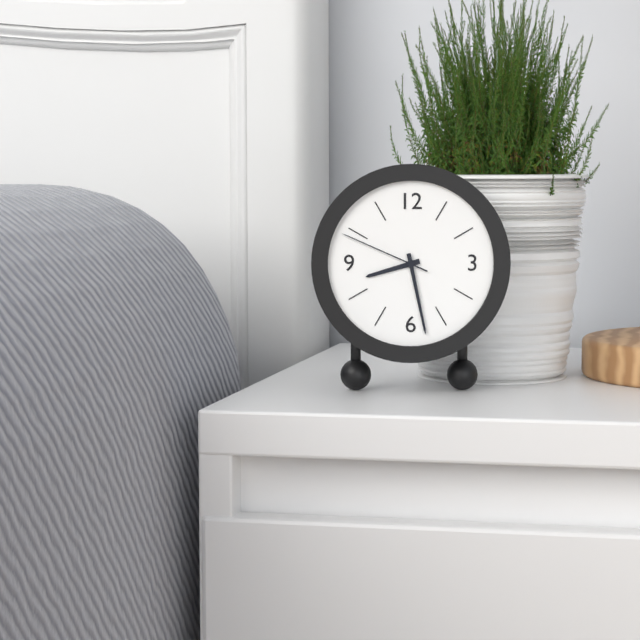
8:28:49
